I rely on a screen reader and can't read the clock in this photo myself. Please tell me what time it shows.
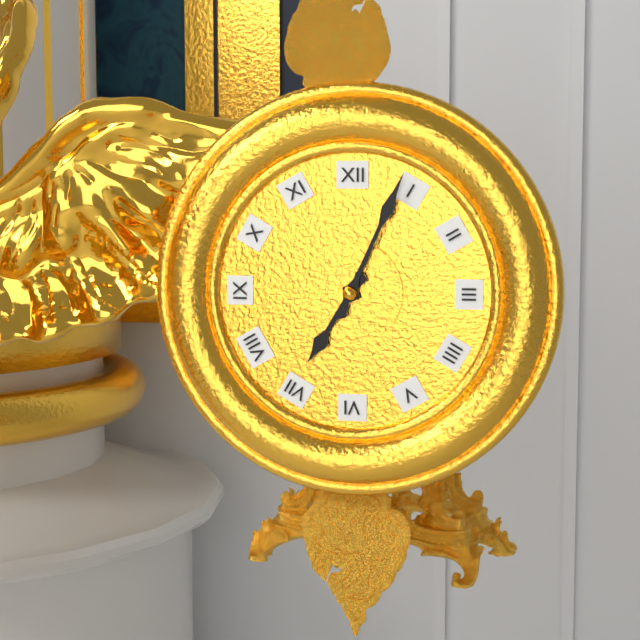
7:04
